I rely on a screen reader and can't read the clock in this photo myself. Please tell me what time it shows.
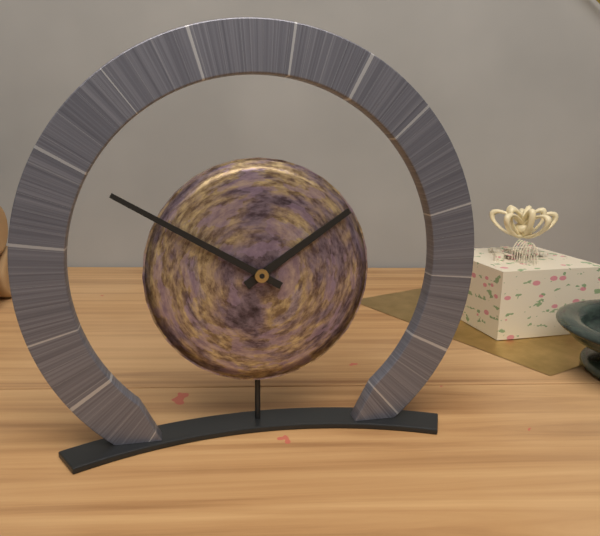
1:50
